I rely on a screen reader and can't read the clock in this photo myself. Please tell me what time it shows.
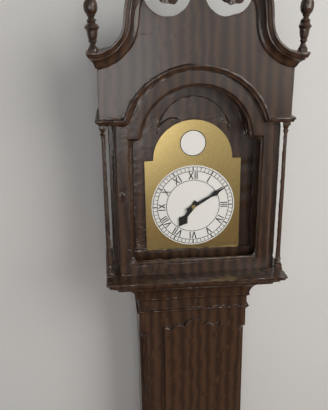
7:10
